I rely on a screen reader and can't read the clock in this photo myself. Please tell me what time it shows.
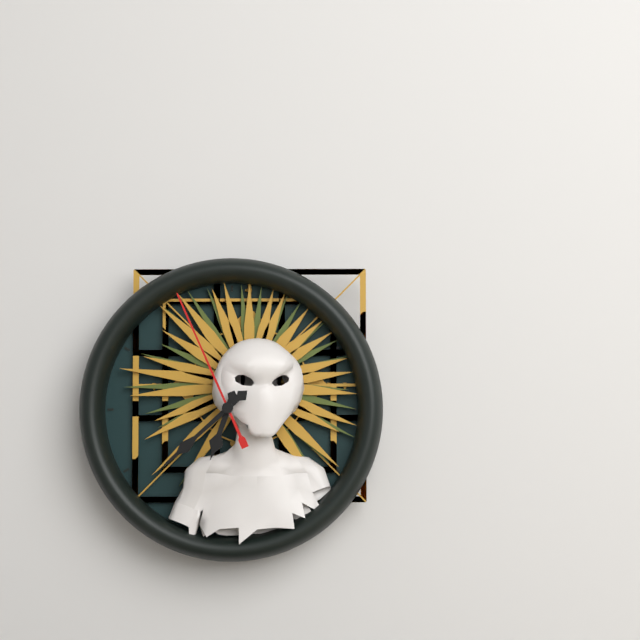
6:38:56
